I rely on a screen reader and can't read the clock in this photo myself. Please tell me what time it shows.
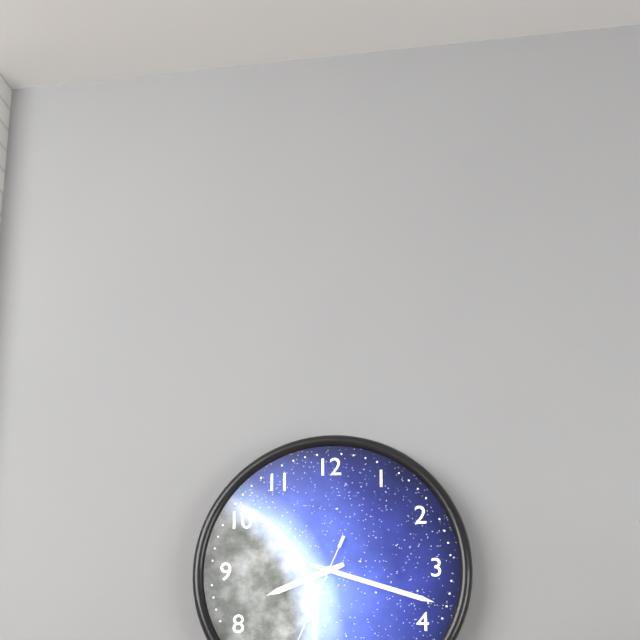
8:18
